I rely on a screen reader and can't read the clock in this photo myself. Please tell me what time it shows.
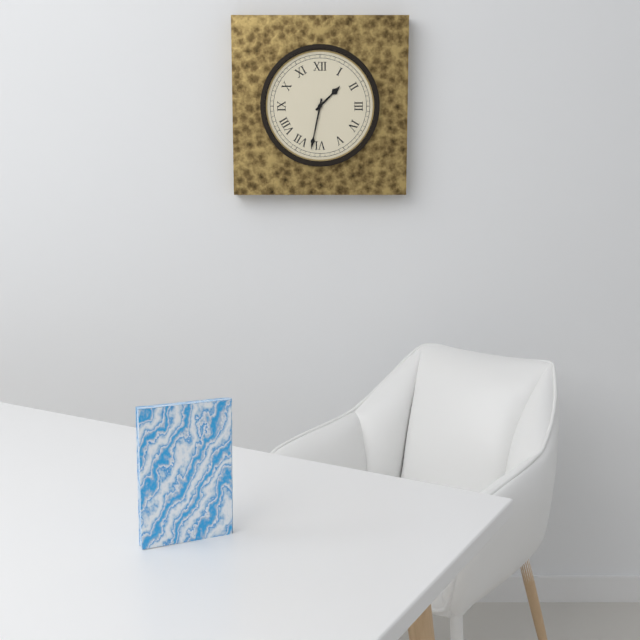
1:32
